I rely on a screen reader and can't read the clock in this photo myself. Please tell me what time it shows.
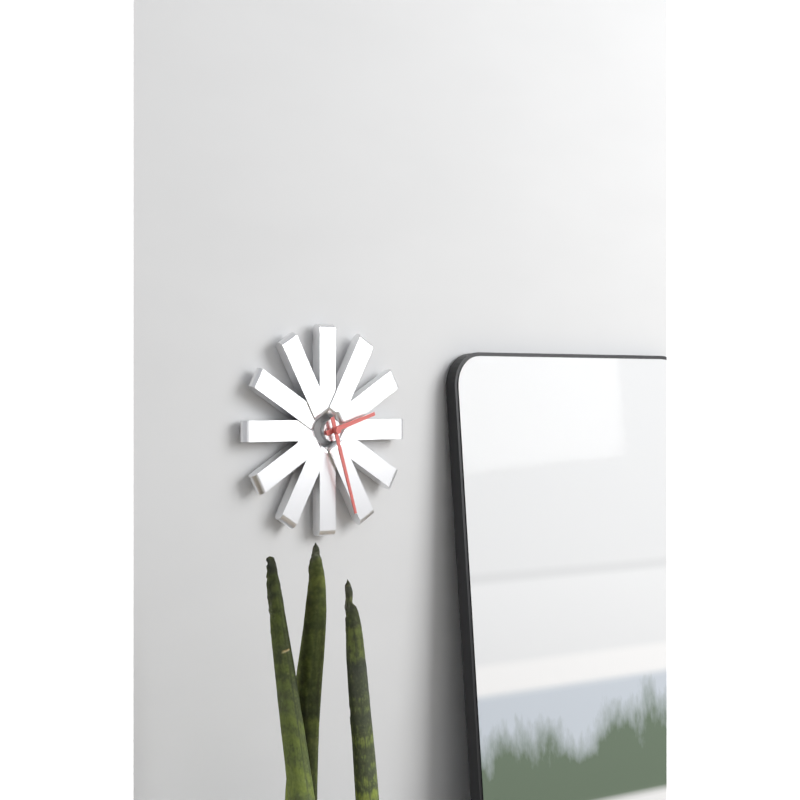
2:27
